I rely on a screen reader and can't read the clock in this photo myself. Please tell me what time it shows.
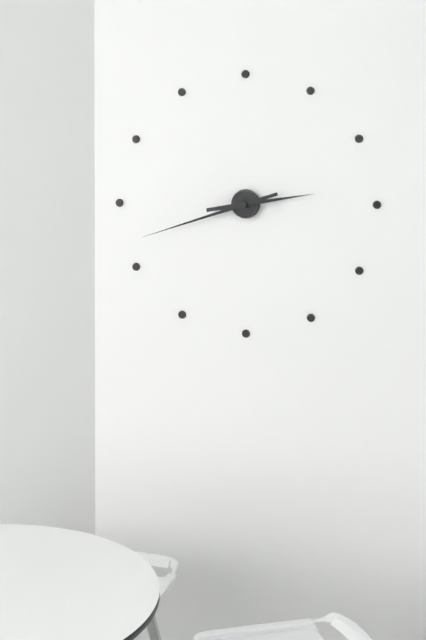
2:42
